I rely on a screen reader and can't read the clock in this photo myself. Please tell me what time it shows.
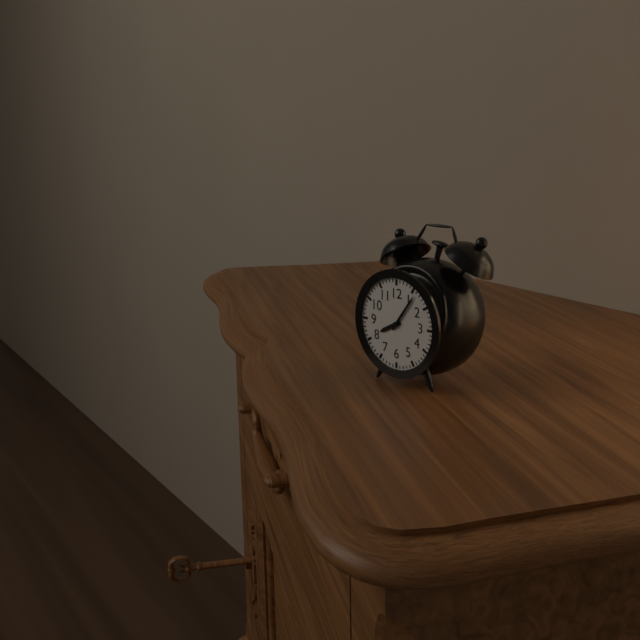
8:06
